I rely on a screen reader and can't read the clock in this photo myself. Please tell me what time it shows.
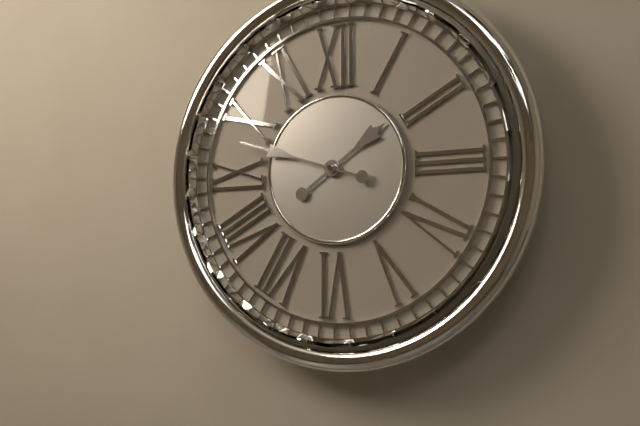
1:48
